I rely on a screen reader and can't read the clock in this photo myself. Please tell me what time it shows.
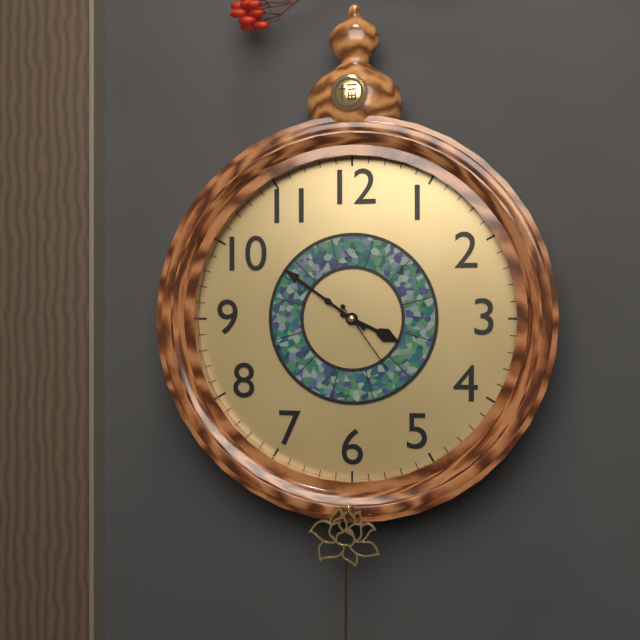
3:51:24
